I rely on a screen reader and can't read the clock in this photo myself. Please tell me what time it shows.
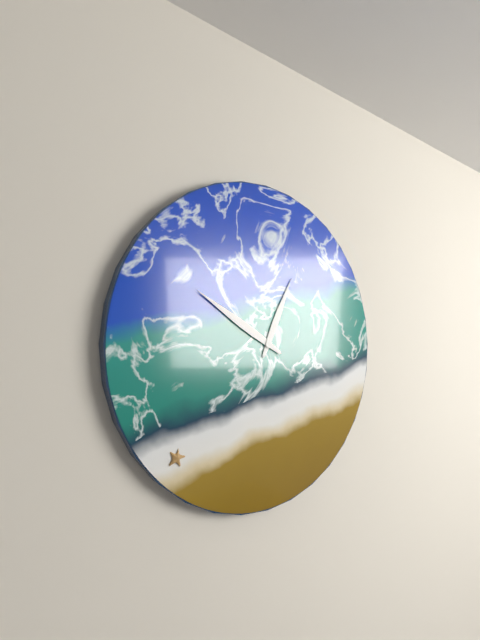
12:50
